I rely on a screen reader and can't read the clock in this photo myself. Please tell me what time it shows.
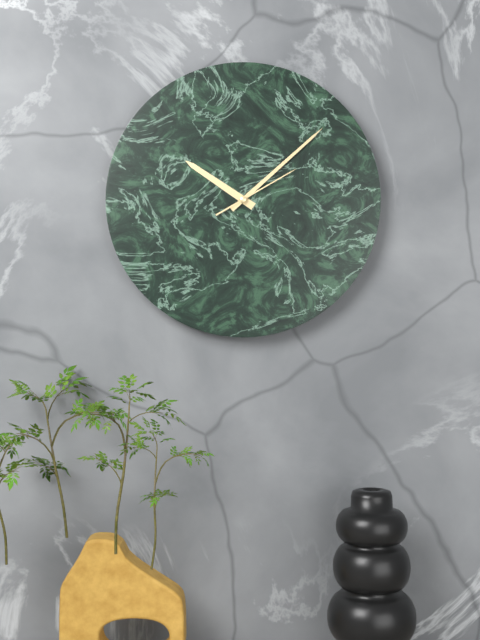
10:08:10
